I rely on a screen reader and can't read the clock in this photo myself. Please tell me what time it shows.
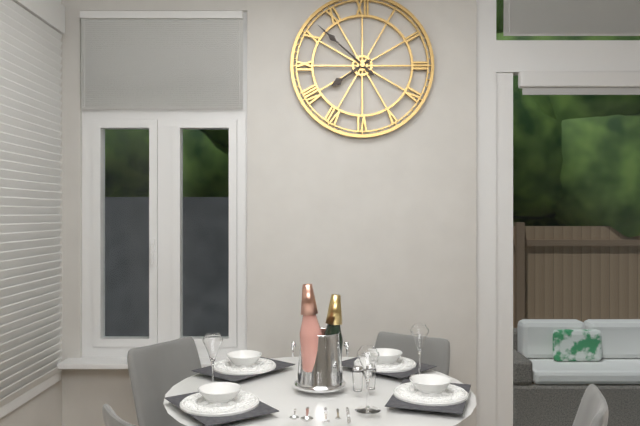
7:52
